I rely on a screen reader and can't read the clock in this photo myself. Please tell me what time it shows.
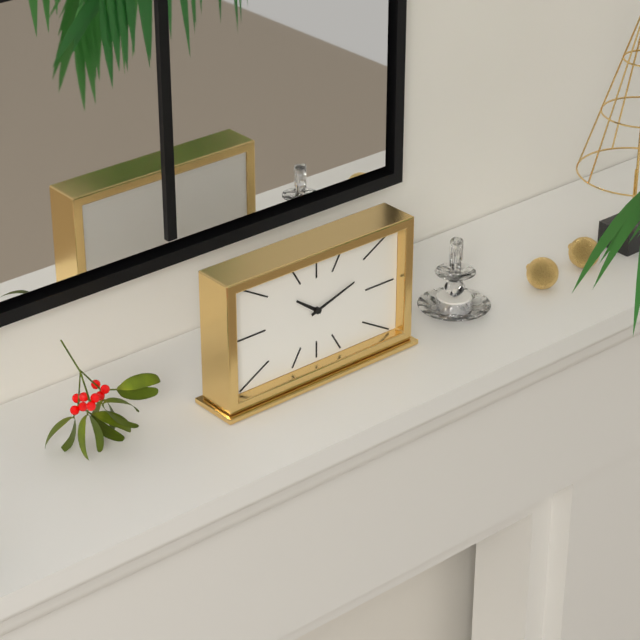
10:12
